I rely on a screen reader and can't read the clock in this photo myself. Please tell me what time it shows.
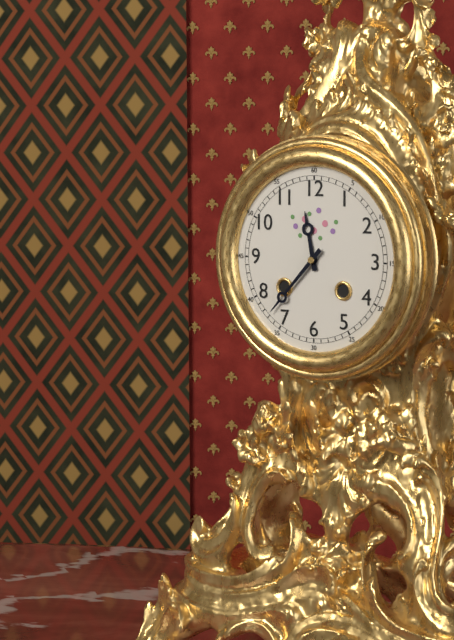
11:37
